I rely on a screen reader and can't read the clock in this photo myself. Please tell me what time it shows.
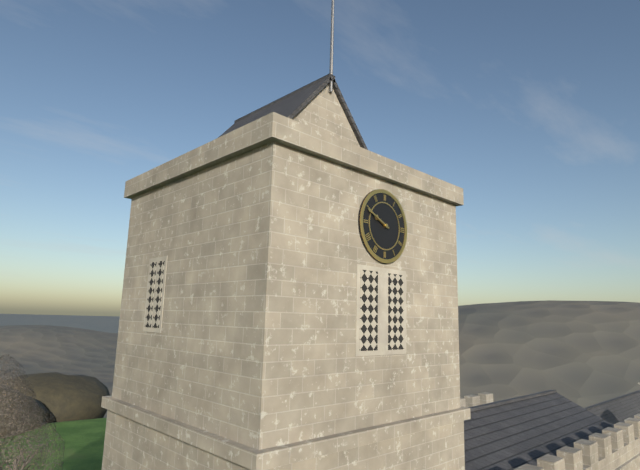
9:49
